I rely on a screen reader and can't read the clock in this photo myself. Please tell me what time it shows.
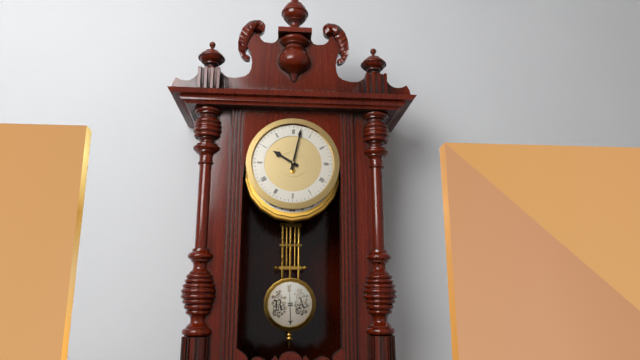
10:02
